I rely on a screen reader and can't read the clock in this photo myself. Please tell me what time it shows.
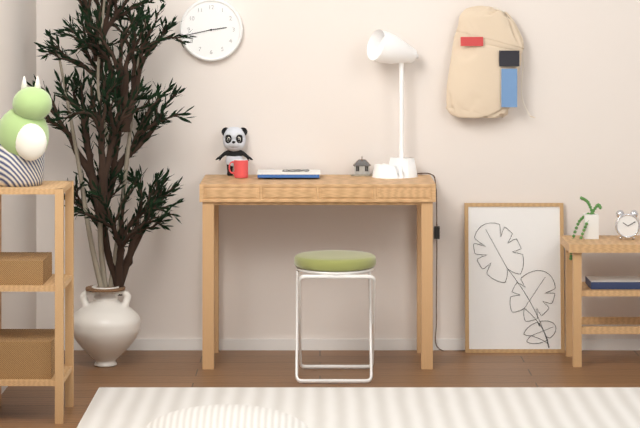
2:43
